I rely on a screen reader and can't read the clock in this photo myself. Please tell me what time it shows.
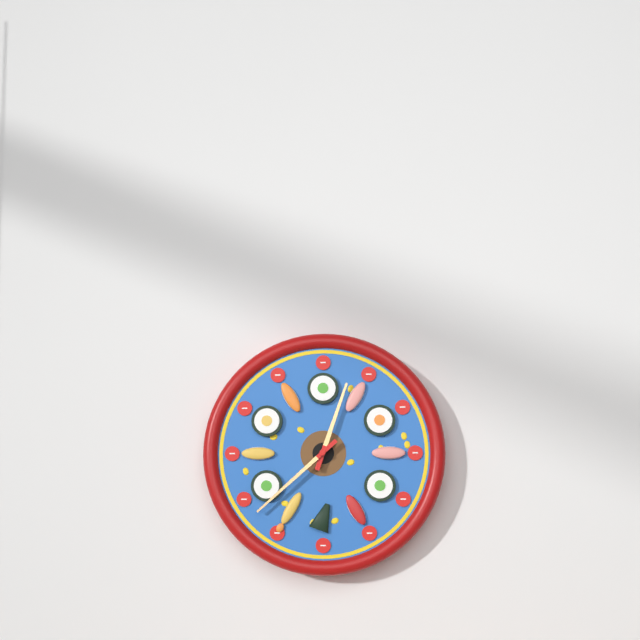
12:38
